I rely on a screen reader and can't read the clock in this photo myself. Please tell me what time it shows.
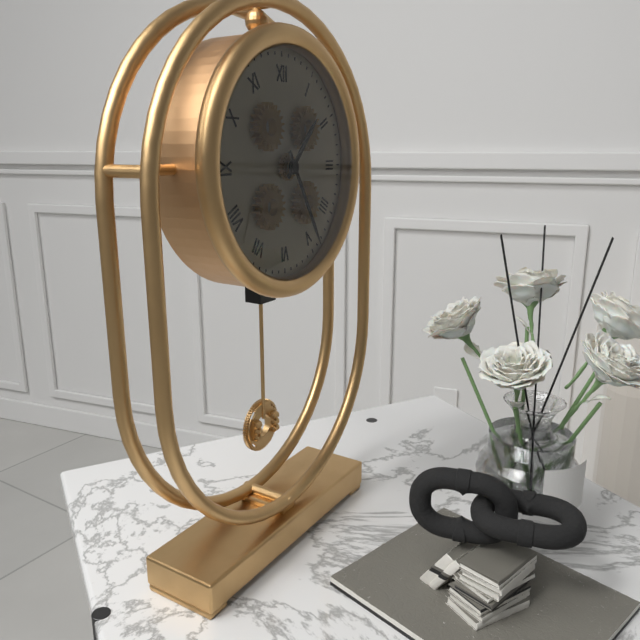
1:25
